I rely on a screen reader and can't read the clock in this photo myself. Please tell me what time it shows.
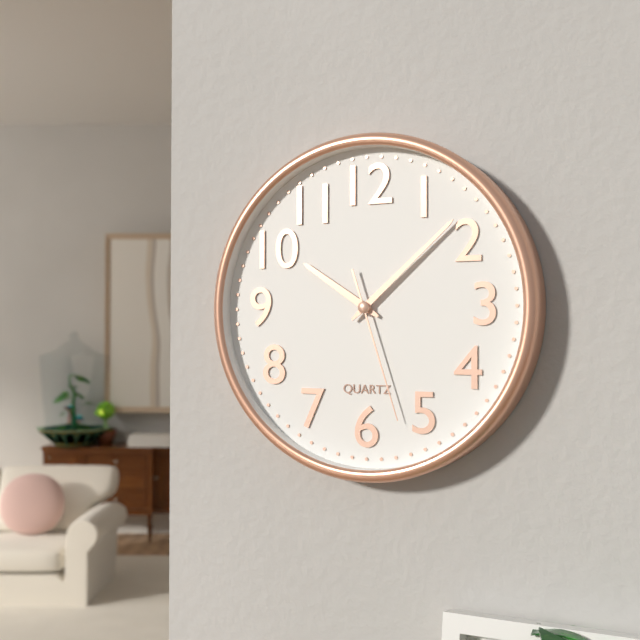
10:08:27
